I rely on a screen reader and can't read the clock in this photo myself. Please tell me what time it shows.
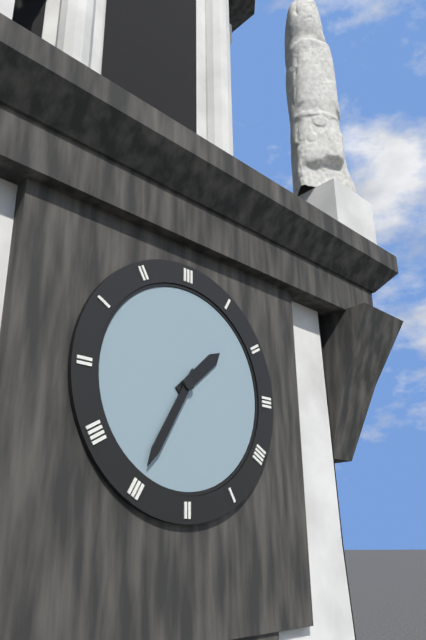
1:35
